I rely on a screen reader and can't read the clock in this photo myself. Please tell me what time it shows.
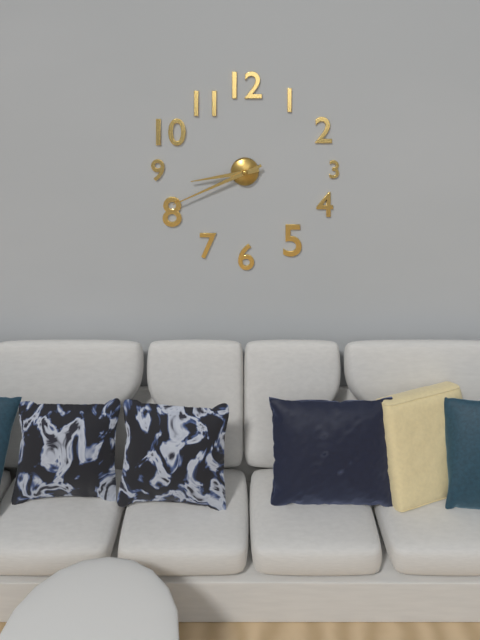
8:41
